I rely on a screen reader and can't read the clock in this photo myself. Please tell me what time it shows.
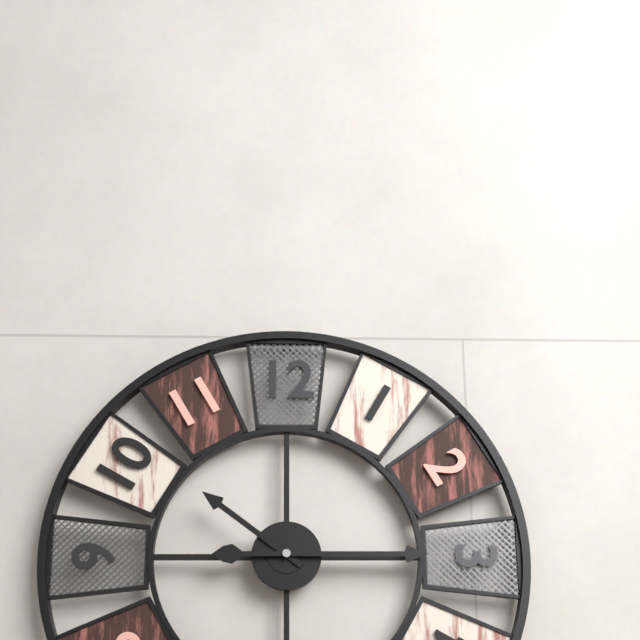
10:15
